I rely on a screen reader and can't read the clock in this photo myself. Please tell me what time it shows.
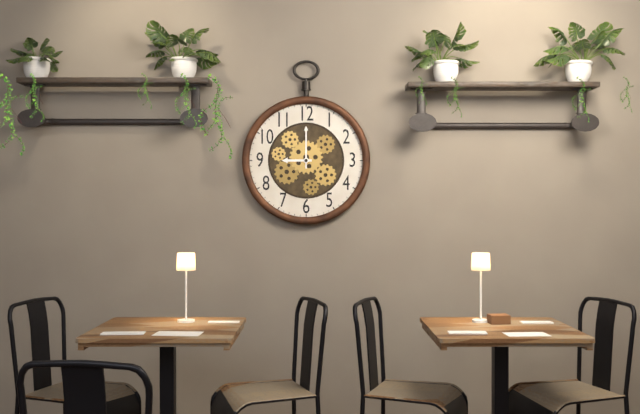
9:00
